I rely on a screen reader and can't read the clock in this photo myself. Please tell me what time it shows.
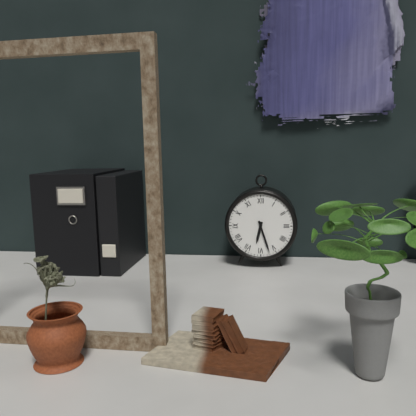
6:27
